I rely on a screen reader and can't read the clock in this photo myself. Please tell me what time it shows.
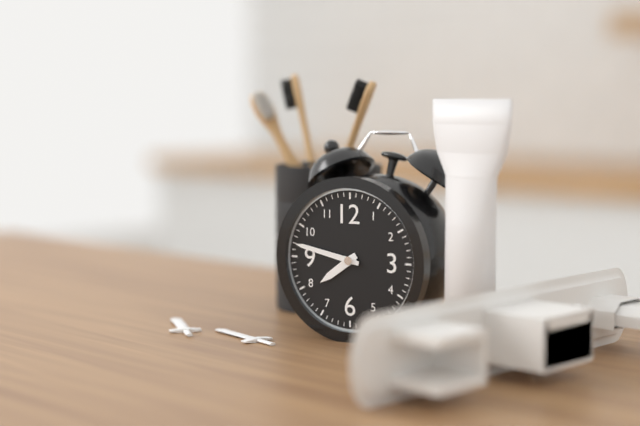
7:47
